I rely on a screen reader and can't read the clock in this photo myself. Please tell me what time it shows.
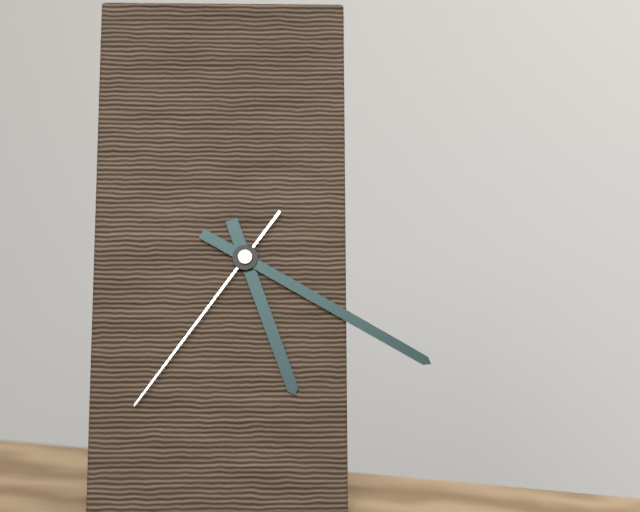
5:20:36
